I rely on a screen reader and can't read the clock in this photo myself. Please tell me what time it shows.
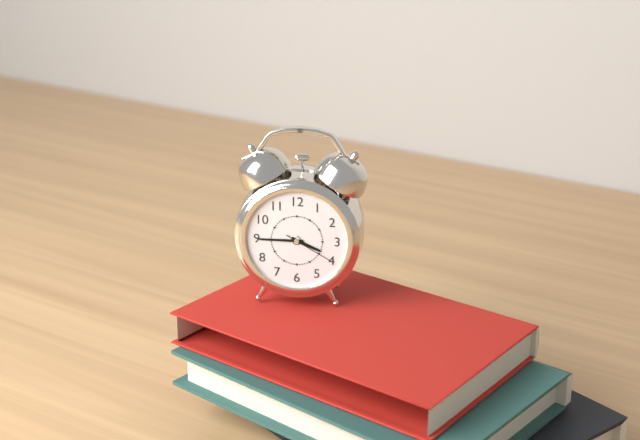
3:45:20
